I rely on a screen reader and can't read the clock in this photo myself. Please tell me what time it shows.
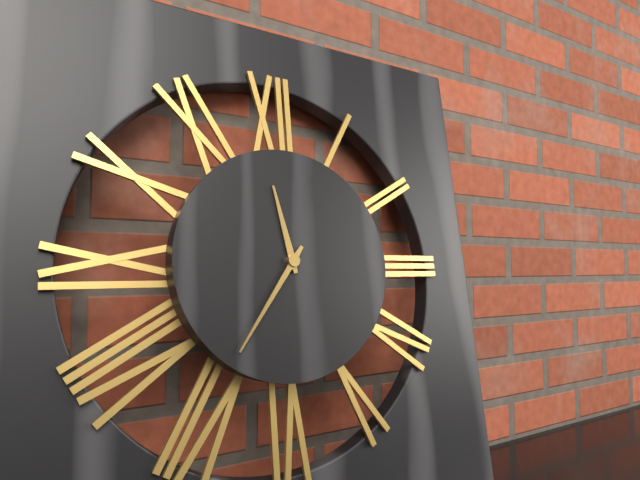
11:36
